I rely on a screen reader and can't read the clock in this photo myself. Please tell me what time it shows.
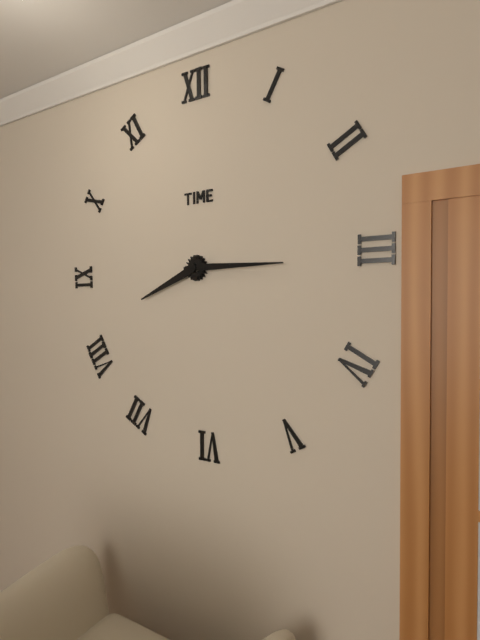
8:15
